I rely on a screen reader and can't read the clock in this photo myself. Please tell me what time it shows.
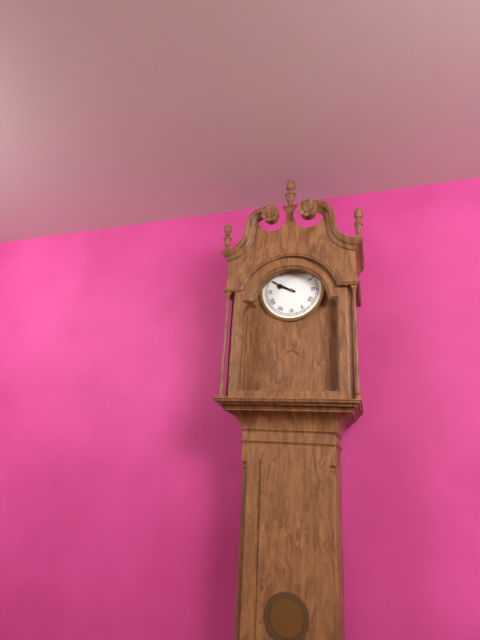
9:50
